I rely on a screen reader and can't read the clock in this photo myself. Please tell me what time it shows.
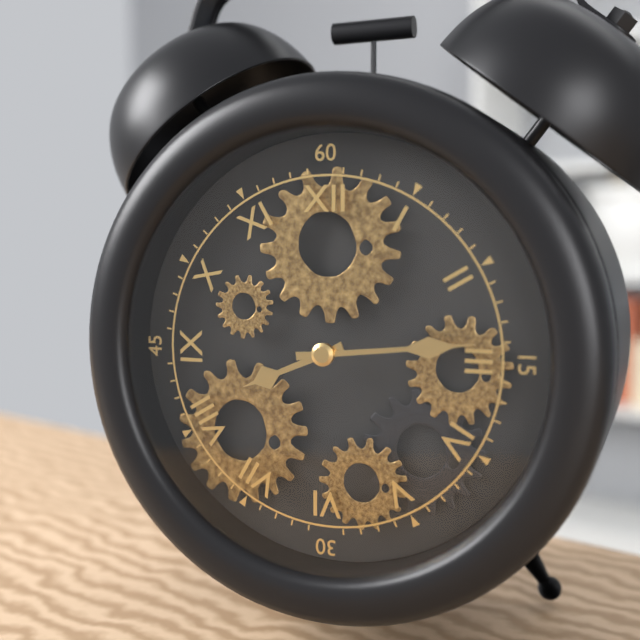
8:14
